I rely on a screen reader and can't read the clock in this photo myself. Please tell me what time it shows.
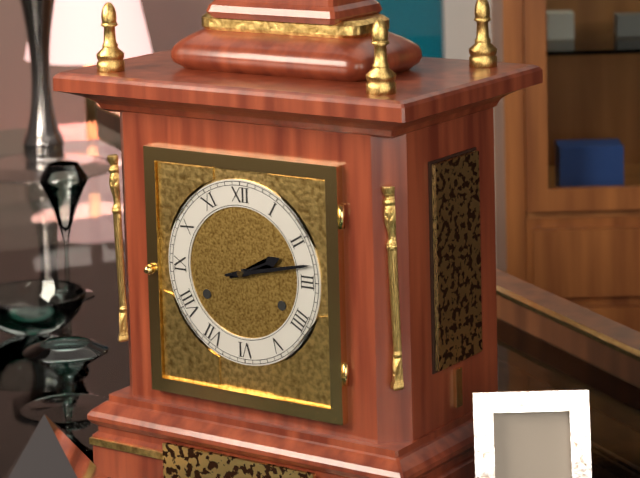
2:13
